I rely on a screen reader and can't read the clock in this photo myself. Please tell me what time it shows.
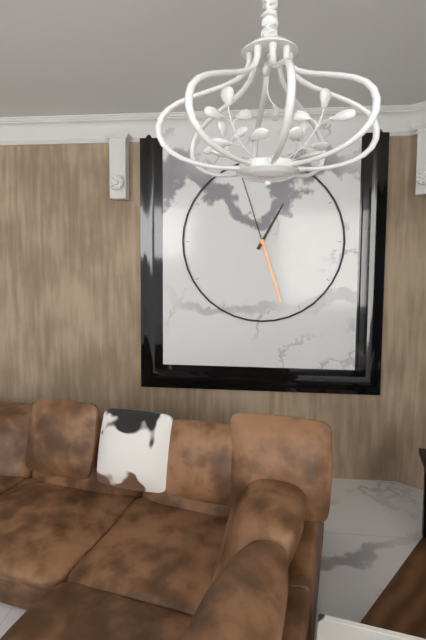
12:57
